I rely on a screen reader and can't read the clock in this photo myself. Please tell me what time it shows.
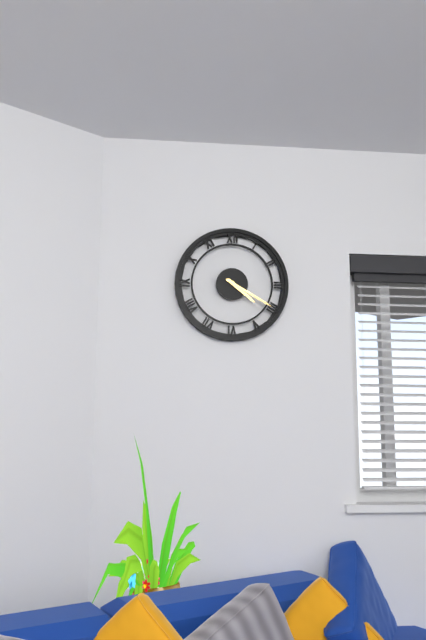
4:20
